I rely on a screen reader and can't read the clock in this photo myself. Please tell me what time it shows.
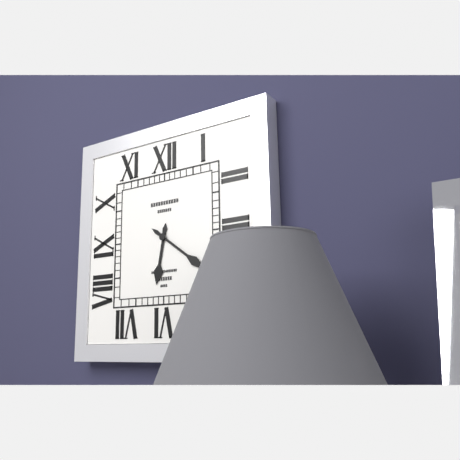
6:21
